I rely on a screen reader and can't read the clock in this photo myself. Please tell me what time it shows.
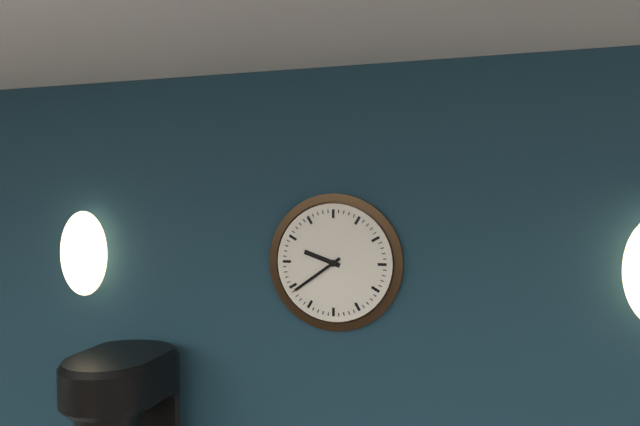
9:39
